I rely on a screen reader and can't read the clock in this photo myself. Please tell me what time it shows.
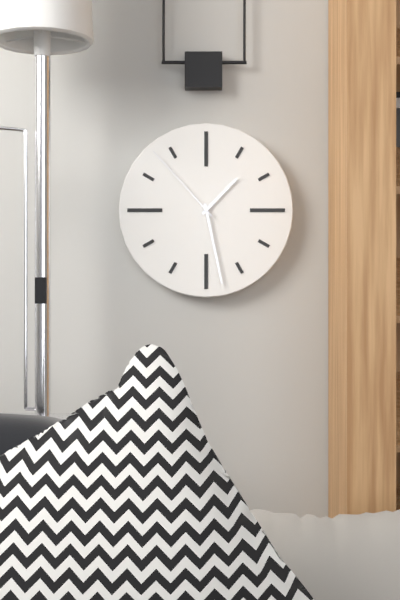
1:28:53
